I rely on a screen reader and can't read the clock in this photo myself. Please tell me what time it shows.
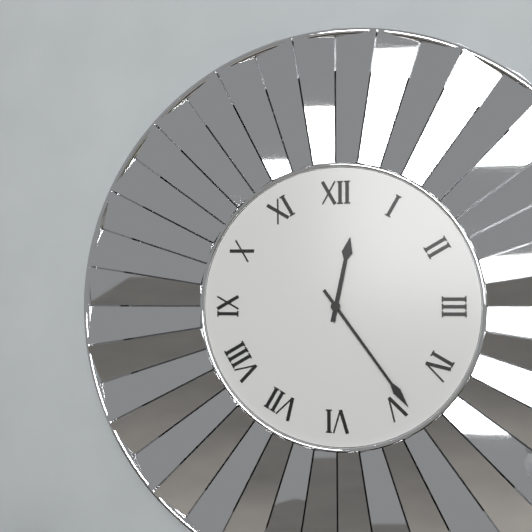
12:24
